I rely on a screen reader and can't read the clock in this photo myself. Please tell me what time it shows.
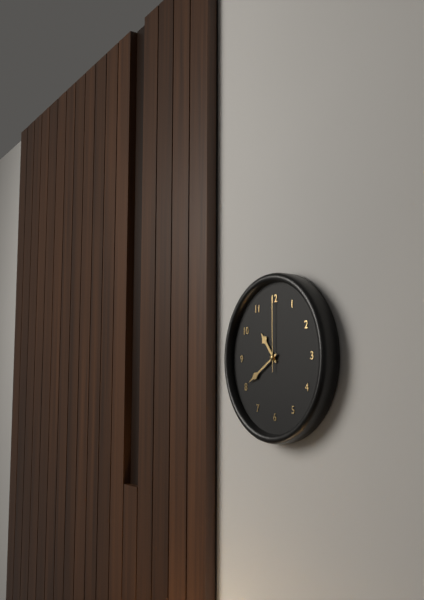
10:40:00
